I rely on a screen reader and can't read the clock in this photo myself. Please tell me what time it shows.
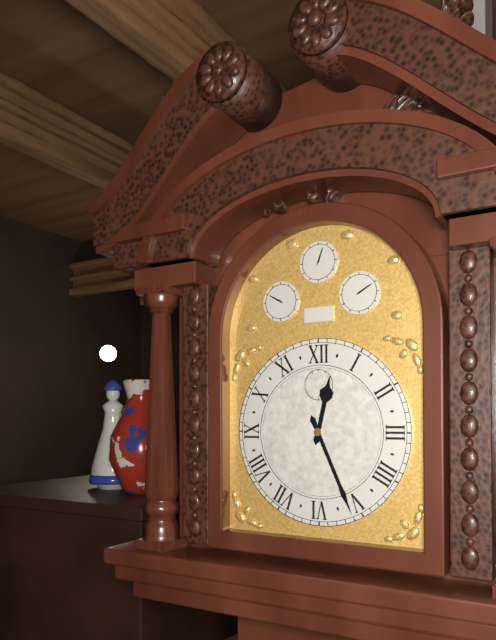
12:26
